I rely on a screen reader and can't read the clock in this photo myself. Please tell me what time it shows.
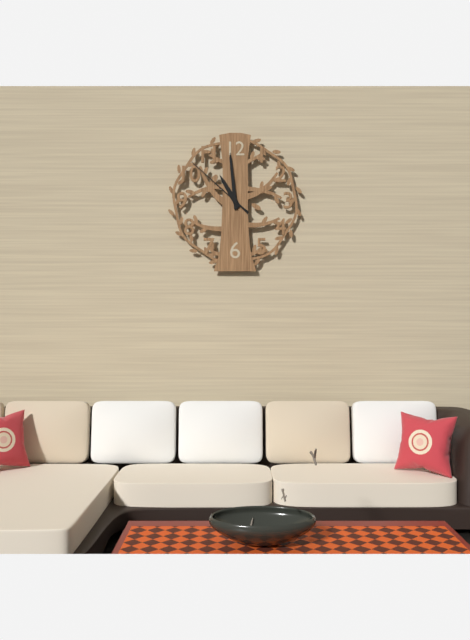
10:59:52
